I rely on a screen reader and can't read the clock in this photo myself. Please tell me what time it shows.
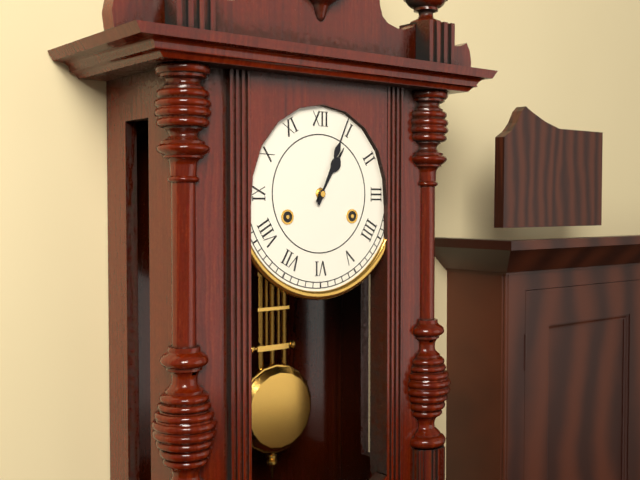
1:04
